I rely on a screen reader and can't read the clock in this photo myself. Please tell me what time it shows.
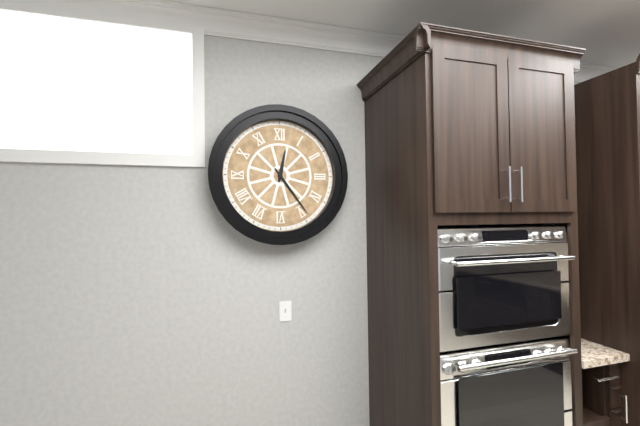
12:24
